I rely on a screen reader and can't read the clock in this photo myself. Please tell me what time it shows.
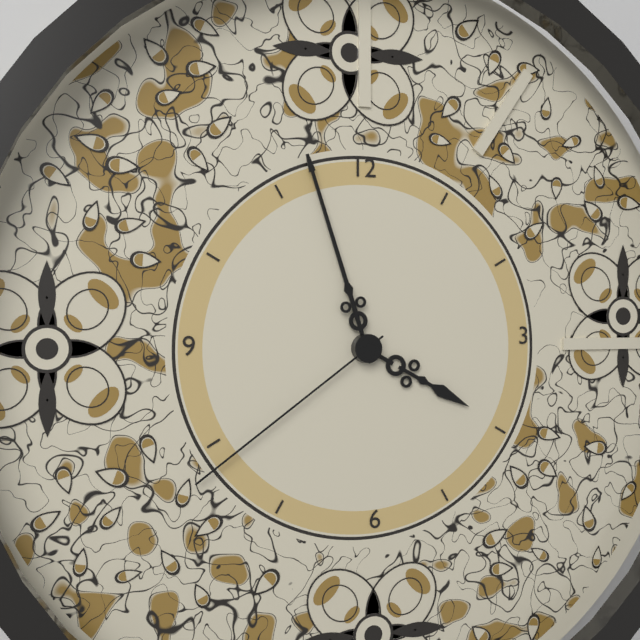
3:57:39
